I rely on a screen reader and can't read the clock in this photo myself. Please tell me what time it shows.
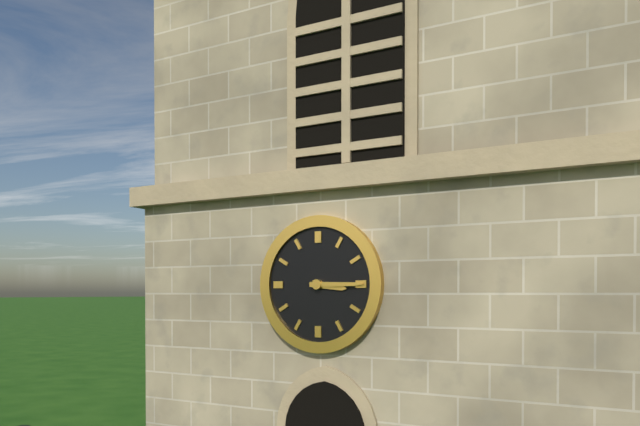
3:15
